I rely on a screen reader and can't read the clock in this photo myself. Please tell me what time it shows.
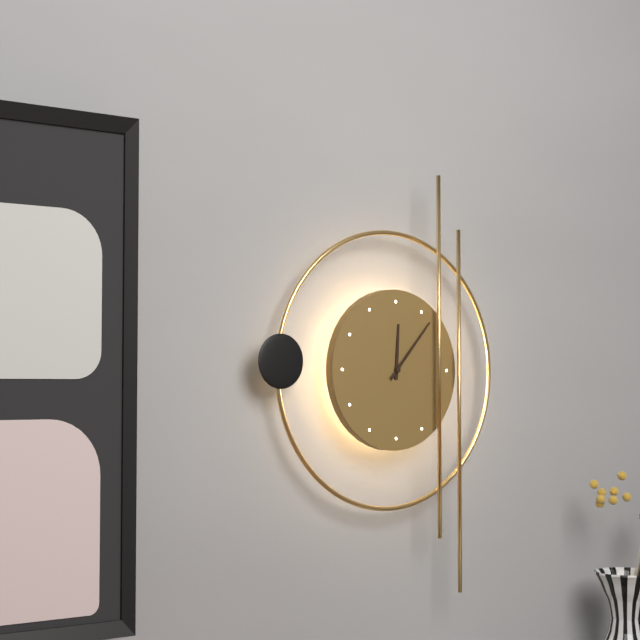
12:07
